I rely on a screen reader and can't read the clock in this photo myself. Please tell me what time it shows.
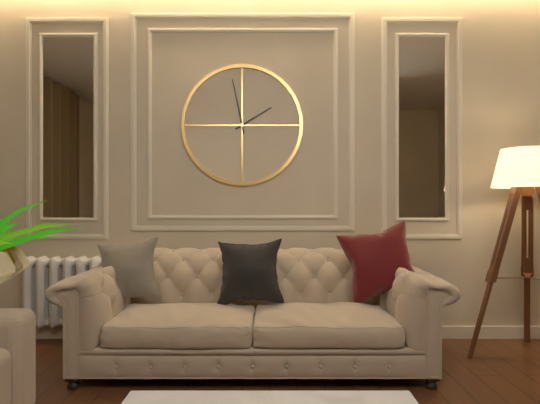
1:58
